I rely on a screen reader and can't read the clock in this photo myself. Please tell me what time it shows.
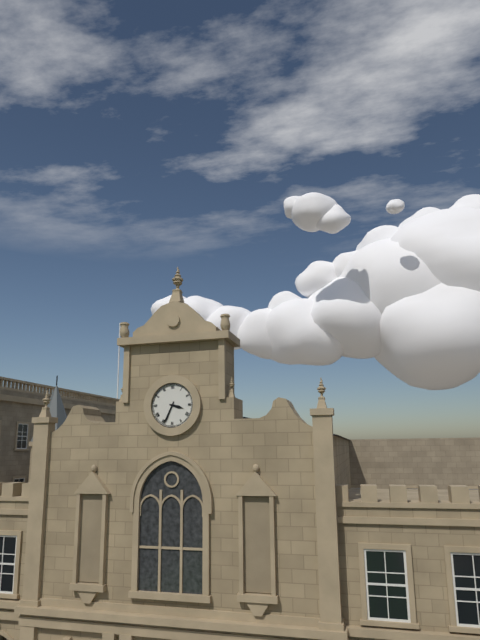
3:34
